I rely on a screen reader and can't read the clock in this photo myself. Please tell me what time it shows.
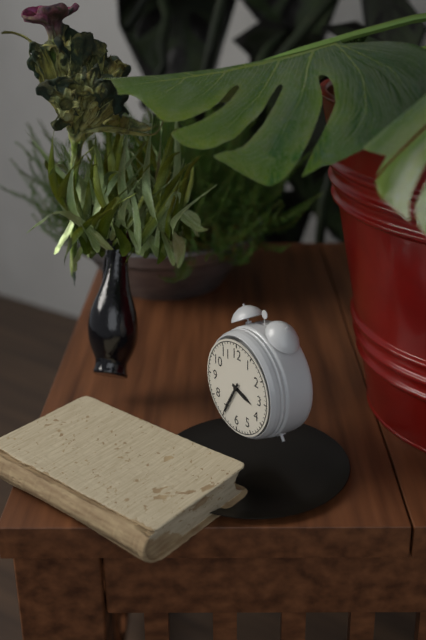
3:35
